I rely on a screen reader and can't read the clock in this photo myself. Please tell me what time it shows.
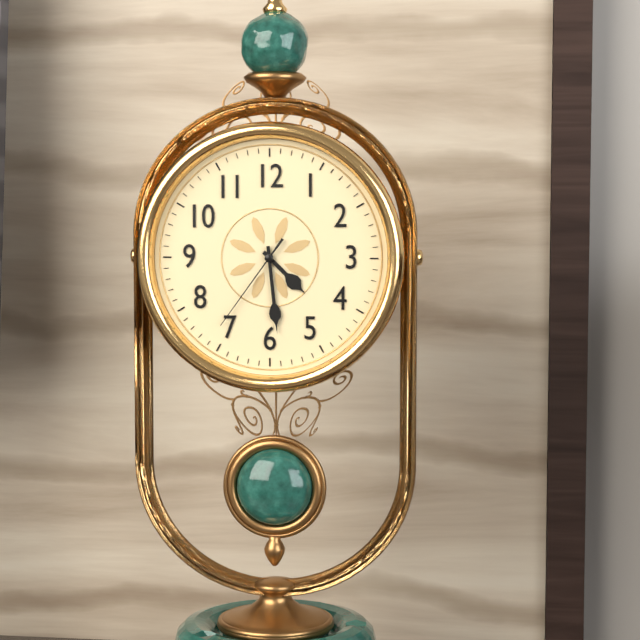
4:29:36
